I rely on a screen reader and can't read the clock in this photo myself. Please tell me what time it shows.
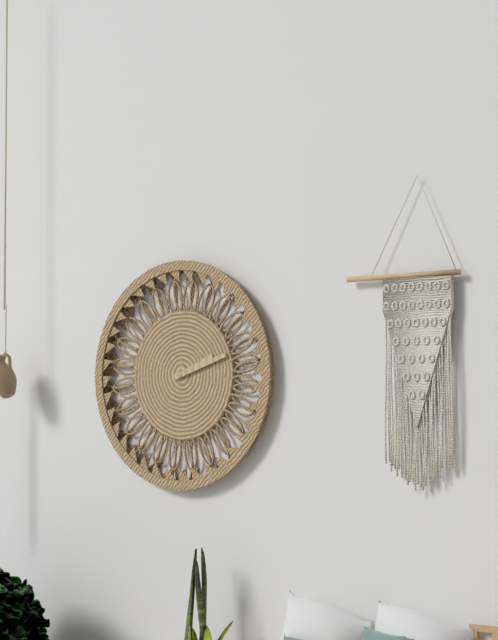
2:12
